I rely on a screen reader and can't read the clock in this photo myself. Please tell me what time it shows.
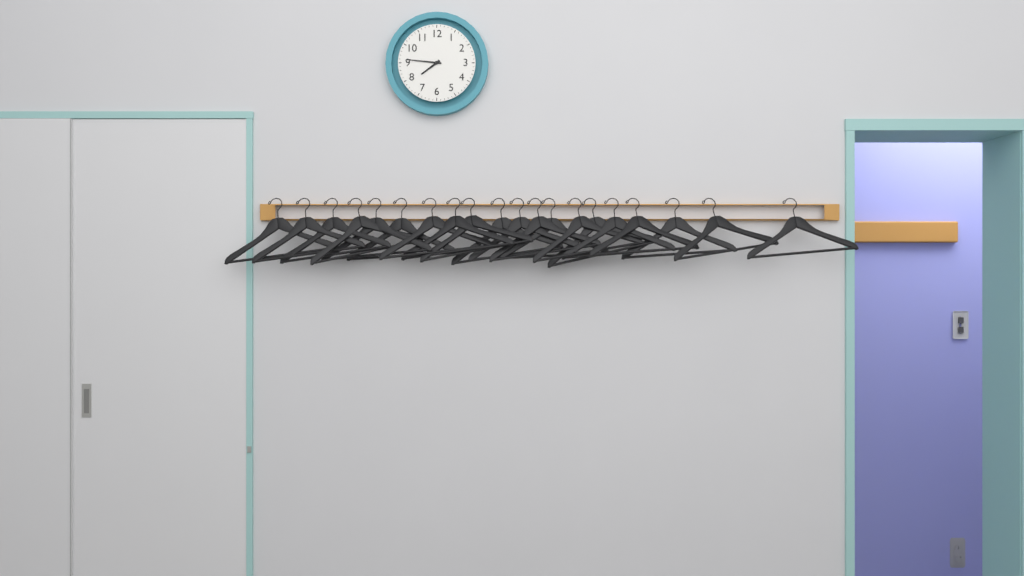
7:46
